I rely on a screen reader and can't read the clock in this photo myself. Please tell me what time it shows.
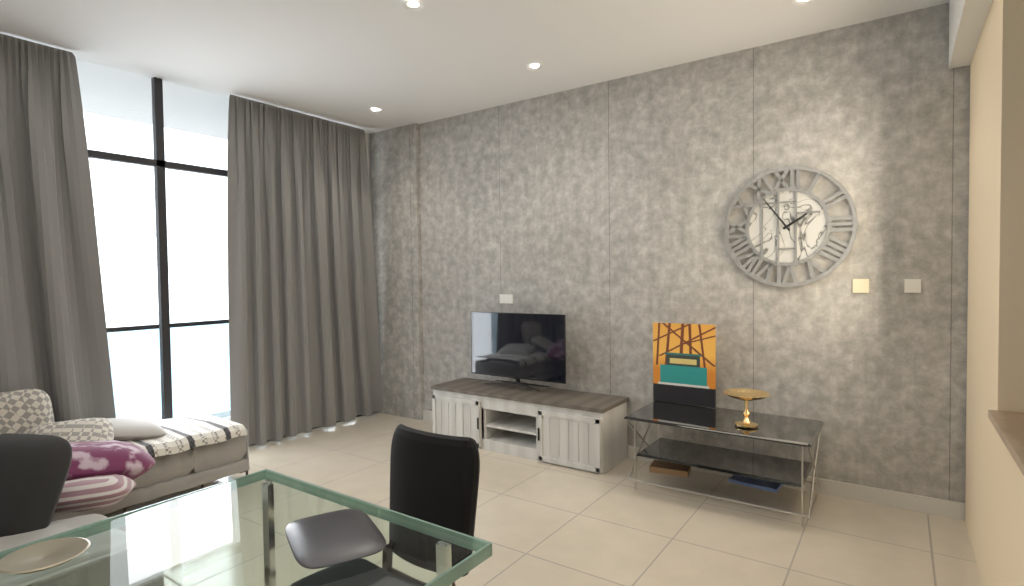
1:54
